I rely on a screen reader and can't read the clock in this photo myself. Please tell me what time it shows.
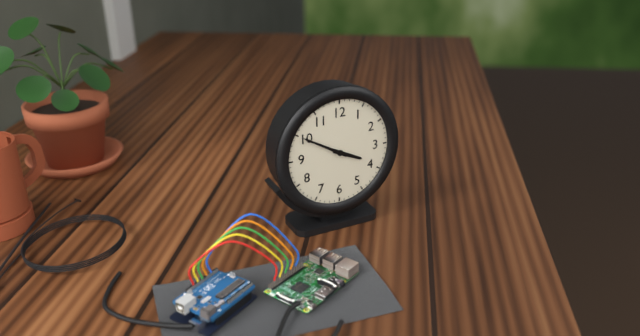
3:50
